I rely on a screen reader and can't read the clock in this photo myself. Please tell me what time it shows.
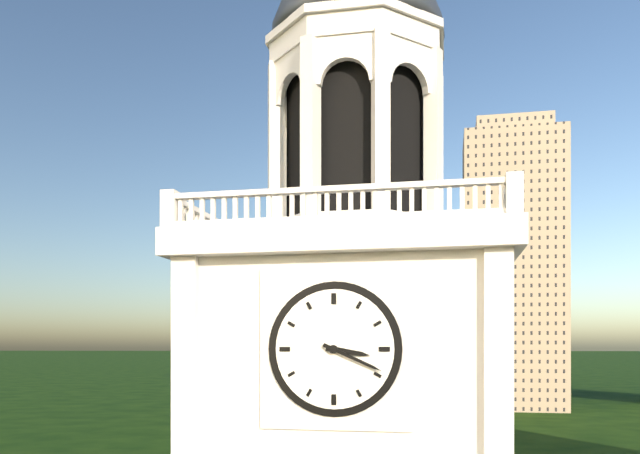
3:19
